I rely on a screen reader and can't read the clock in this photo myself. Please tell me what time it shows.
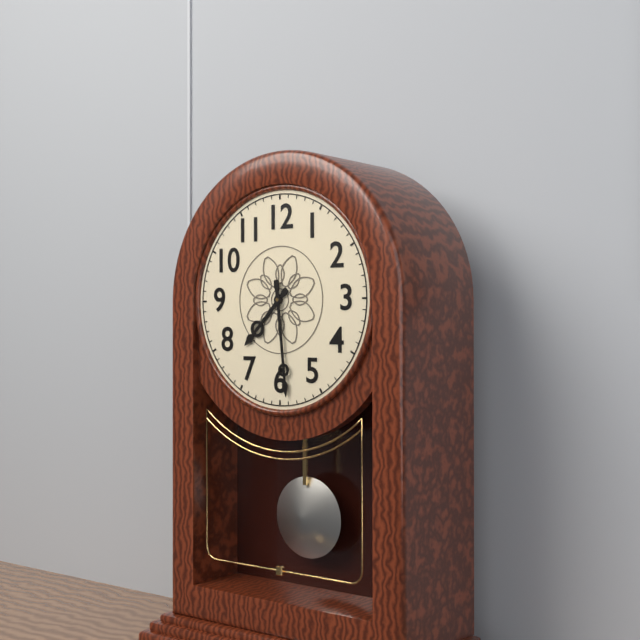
7:29
